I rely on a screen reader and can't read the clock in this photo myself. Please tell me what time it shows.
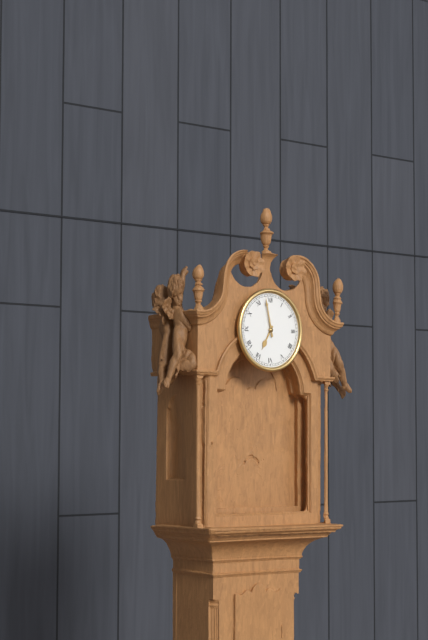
6:58
